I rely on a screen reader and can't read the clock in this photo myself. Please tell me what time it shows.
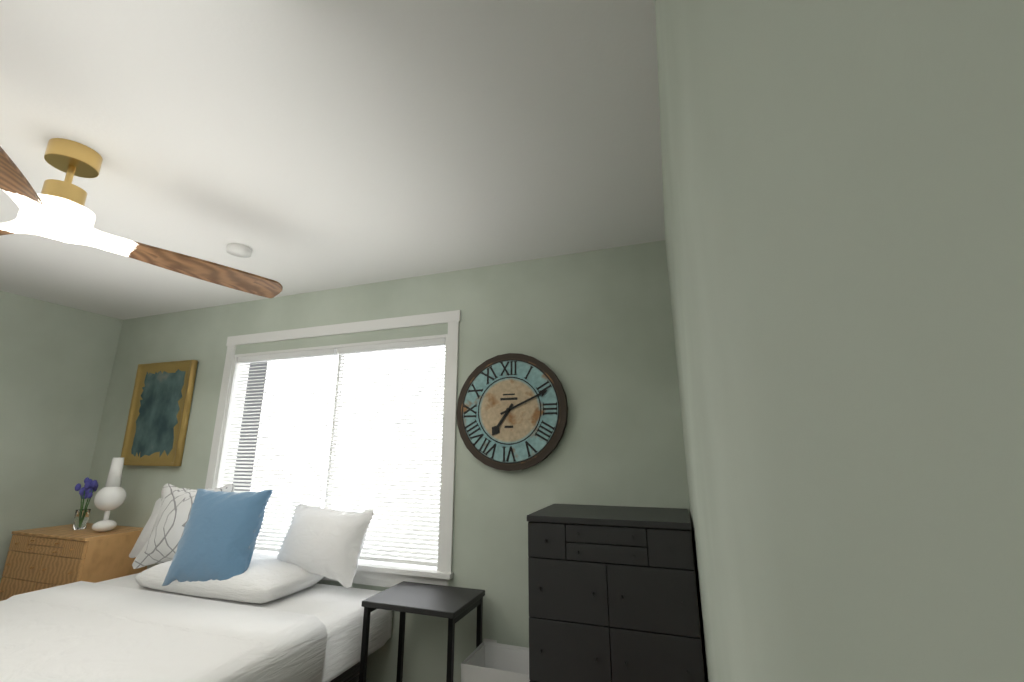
7:11
